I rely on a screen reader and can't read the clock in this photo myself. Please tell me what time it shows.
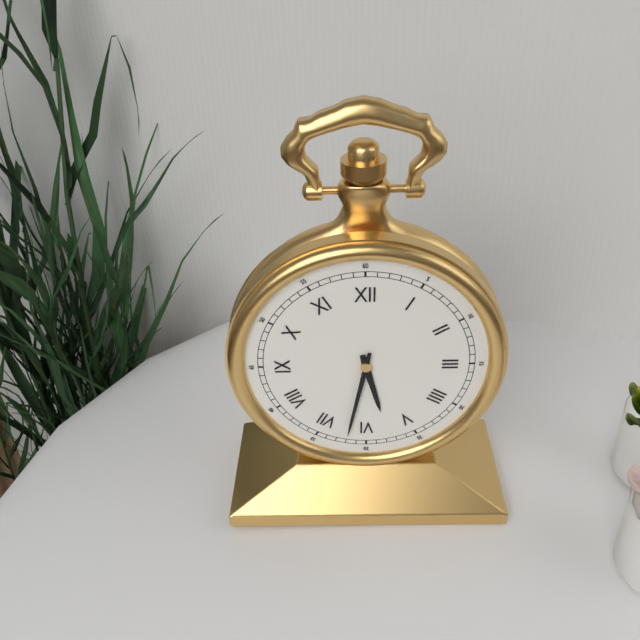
5:32
